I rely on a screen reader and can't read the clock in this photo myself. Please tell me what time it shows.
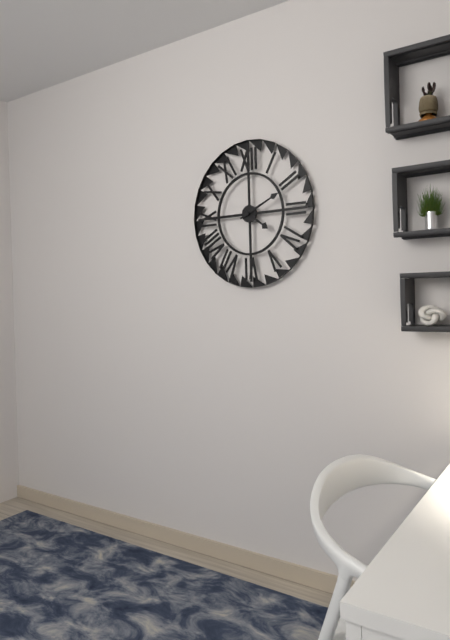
4:11
